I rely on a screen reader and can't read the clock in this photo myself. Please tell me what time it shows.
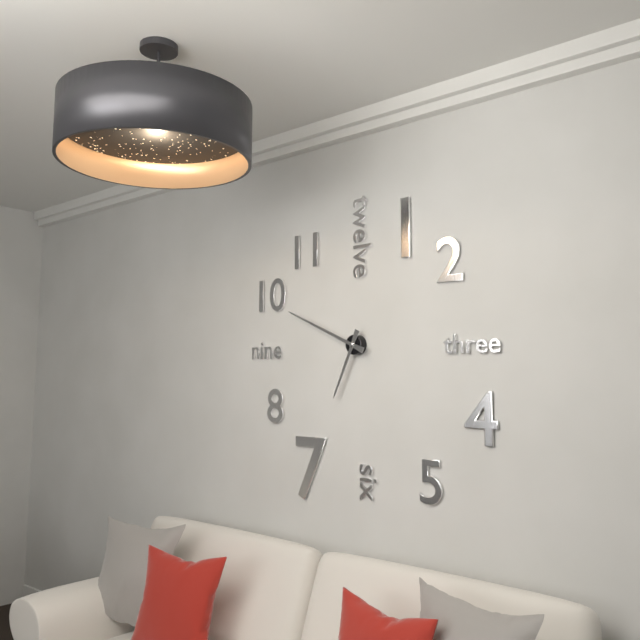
6:49
